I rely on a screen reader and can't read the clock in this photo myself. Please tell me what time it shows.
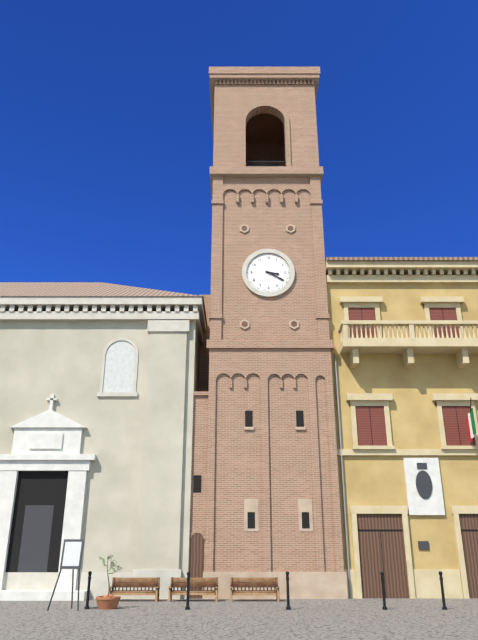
3:20
